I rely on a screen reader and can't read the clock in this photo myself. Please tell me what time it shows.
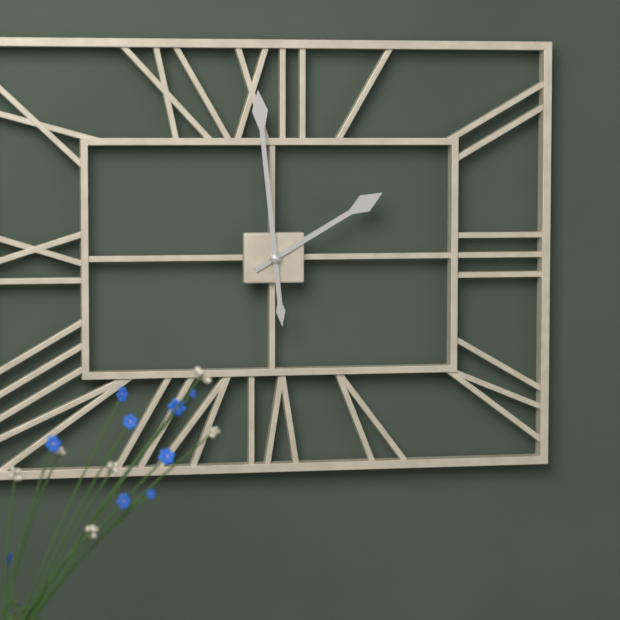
1:59
